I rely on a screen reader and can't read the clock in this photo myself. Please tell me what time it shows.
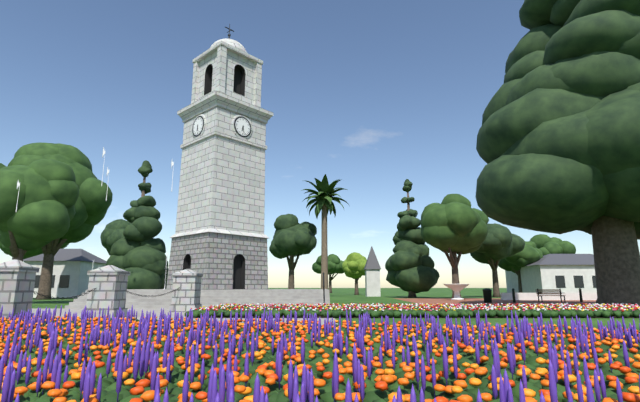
6:28
